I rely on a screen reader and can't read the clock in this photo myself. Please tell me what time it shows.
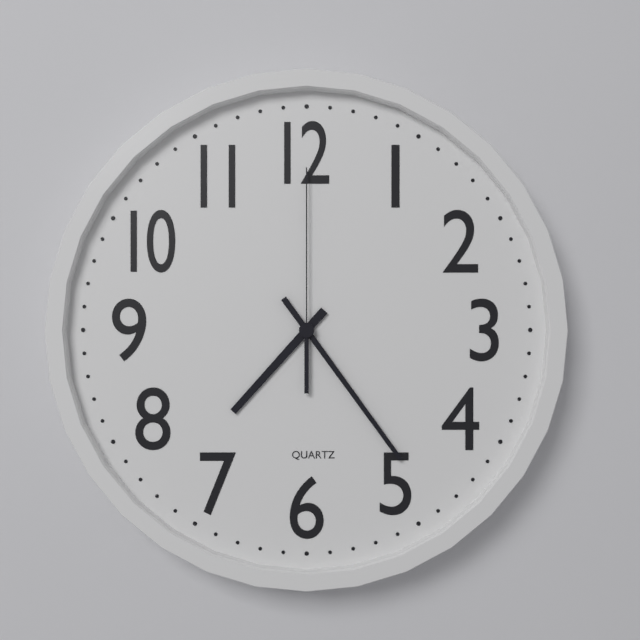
7:24:00
